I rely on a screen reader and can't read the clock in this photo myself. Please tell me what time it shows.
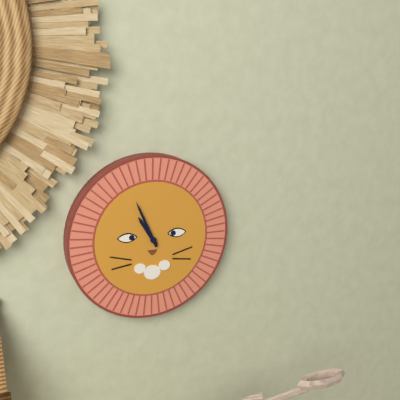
10:56
